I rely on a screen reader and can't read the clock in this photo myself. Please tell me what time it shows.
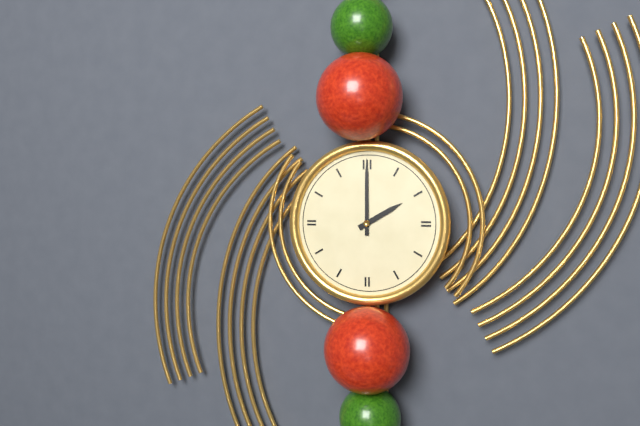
2:00
